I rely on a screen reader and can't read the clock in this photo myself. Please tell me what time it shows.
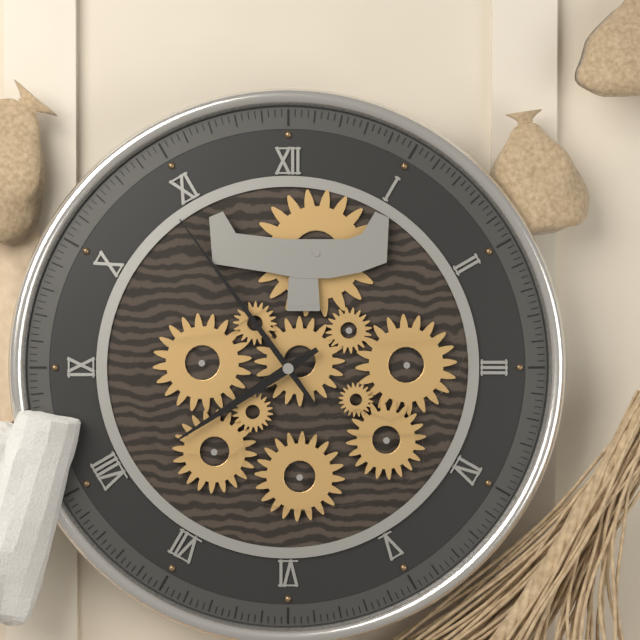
7:54
